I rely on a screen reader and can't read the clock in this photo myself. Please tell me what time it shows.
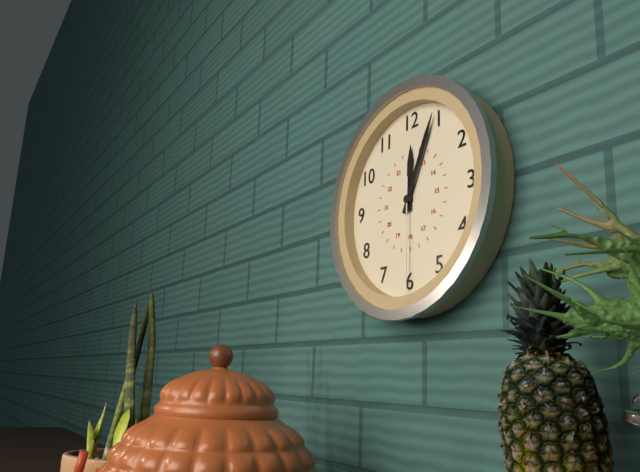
12:04:30
